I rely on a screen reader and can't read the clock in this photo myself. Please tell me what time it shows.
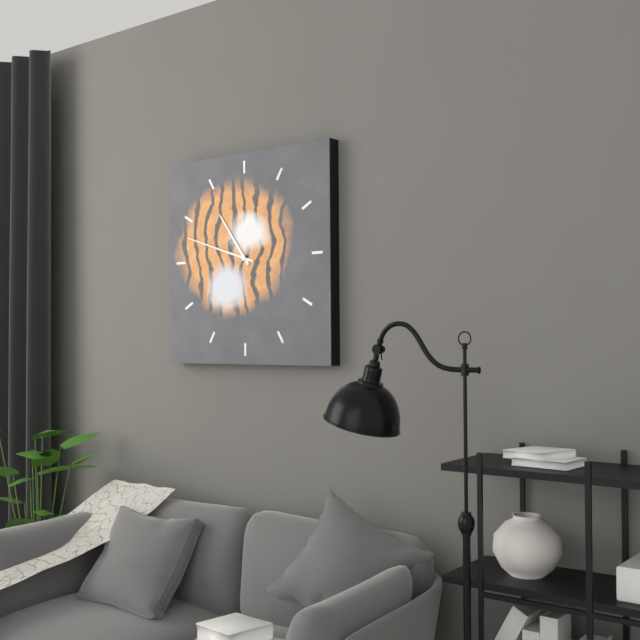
10:48
